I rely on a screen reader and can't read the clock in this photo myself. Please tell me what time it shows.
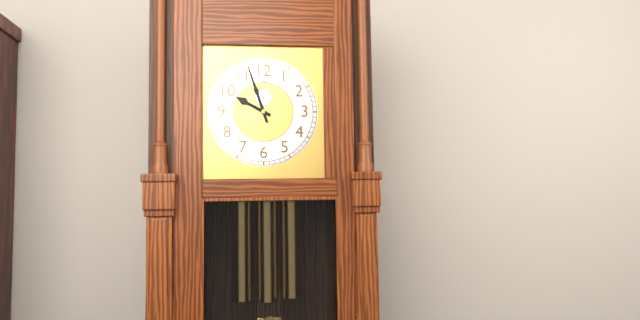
9:57
